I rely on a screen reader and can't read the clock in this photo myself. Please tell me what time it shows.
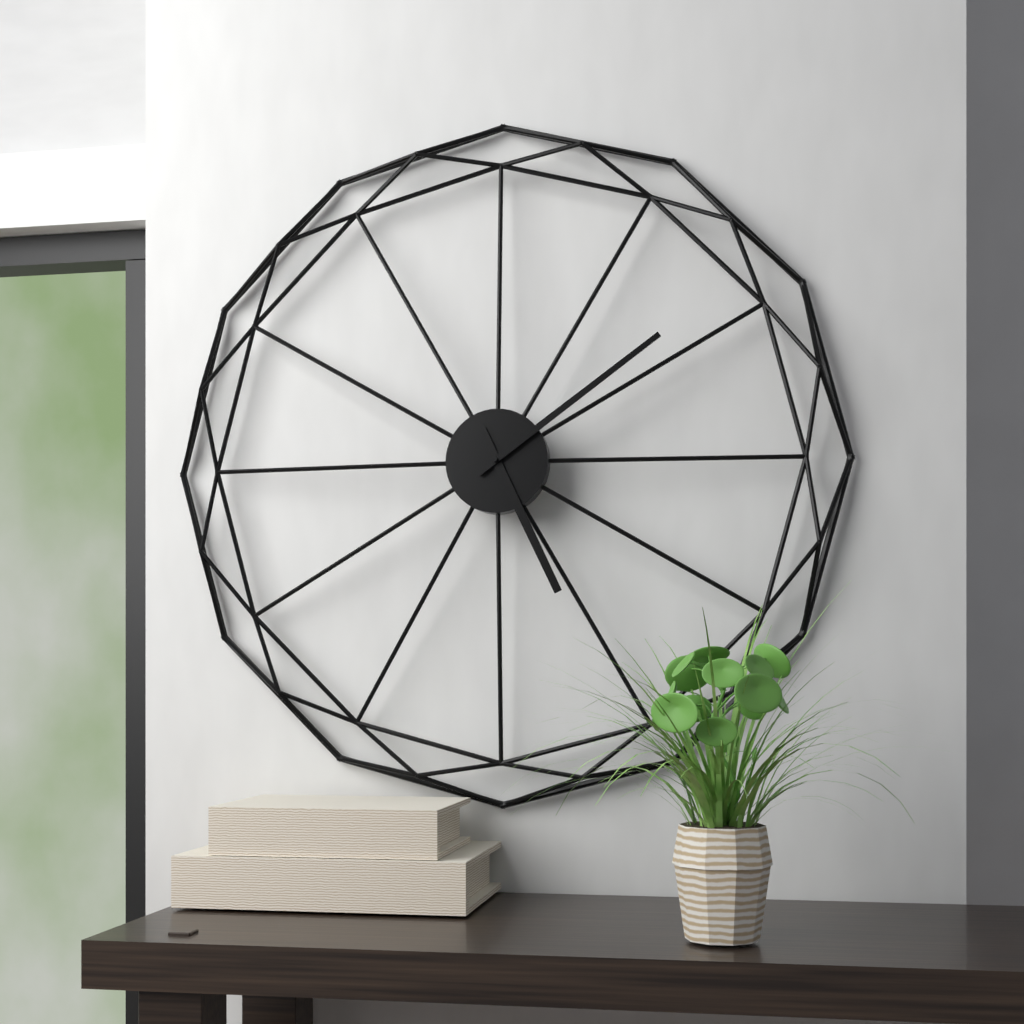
5:09
